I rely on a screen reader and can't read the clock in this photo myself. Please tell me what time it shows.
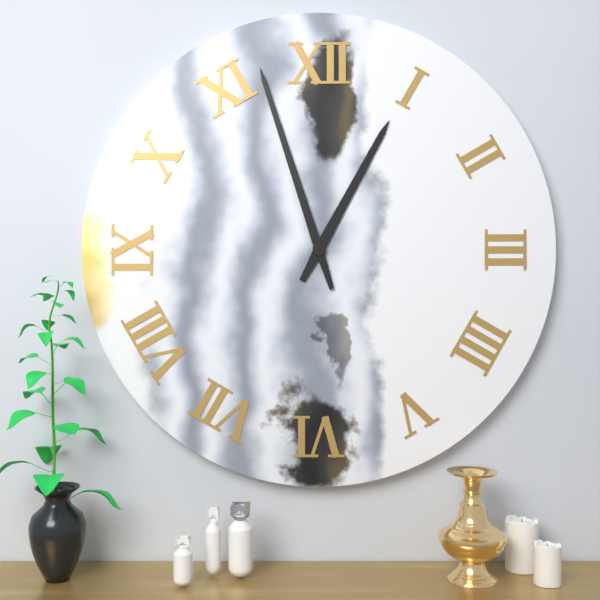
12:57
